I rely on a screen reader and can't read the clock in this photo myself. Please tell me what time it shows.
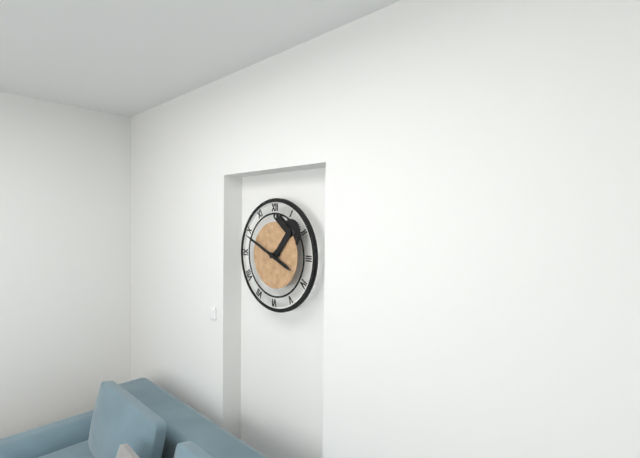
3:49
